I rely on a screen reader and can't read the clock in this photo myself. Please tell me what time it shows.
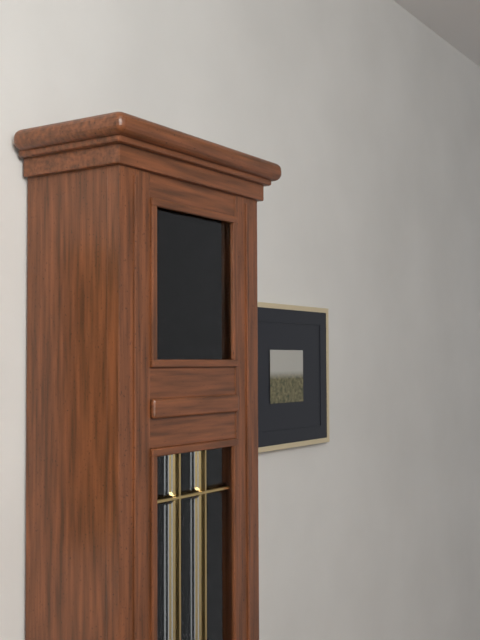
1:05
